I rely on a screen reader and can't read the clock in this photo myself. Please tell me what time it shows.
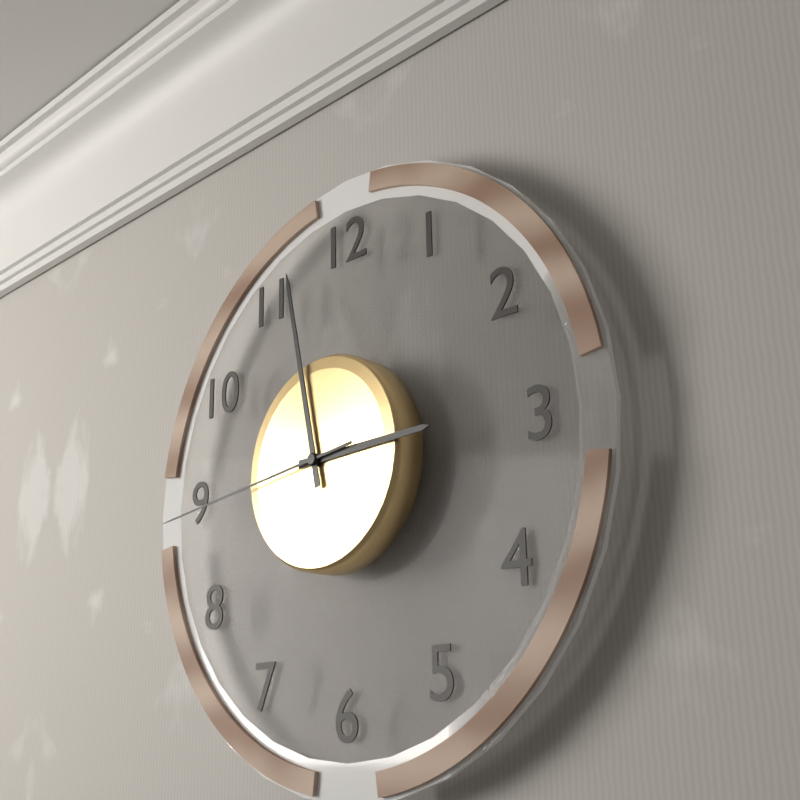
2:58:44
